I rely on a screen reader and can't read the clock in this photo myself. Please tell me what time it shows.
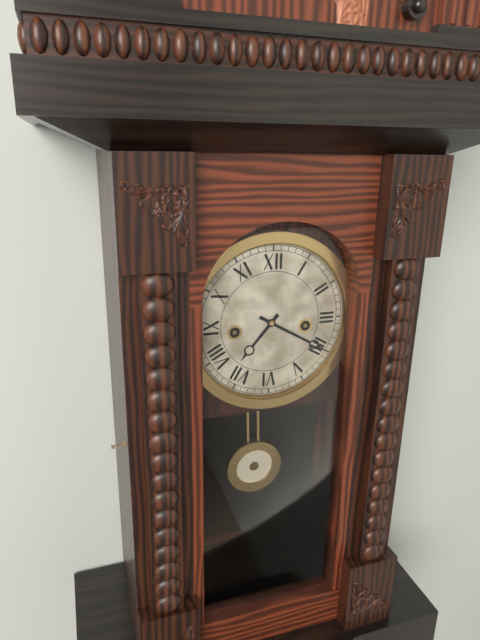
7:20
